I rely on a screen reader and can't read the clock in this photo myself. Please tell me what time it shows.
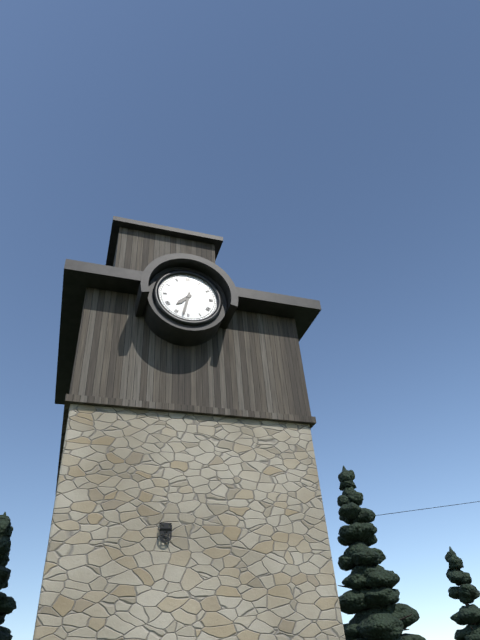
7:32
